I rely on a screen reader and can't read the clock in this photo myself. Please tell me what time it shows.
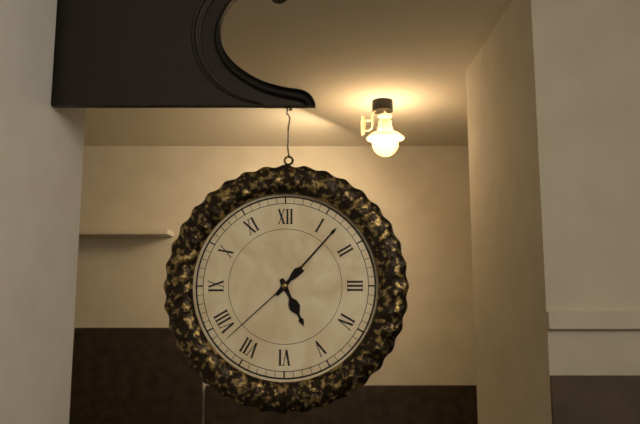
5:07:38
